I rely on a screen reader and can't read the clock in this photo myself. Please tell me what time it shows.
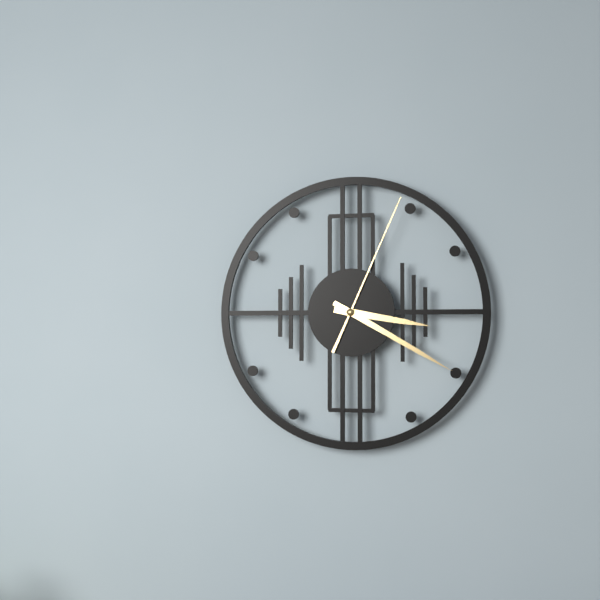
3:20:04
